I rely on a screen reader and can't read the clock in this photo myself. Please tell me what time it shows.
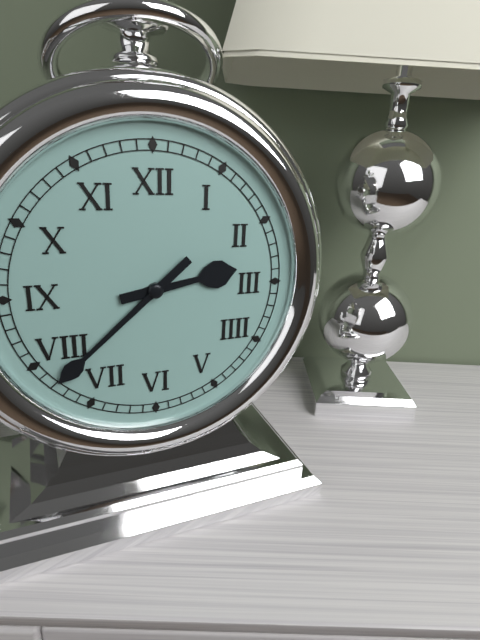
2:38
